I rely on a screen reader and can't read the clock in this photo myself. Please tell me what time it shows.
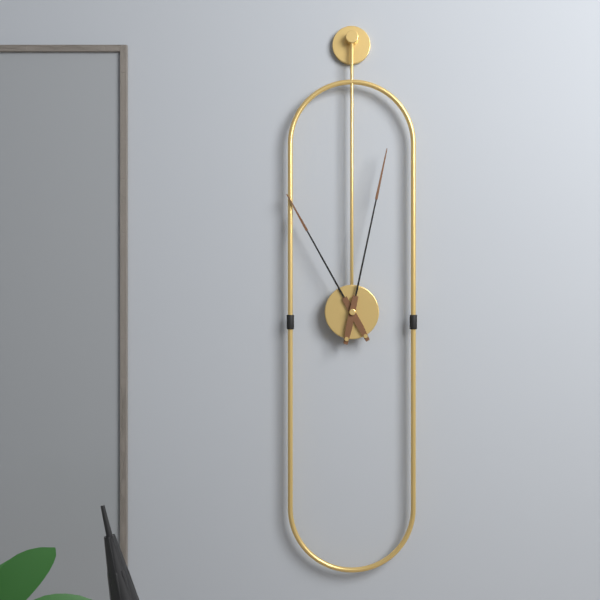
11:02
